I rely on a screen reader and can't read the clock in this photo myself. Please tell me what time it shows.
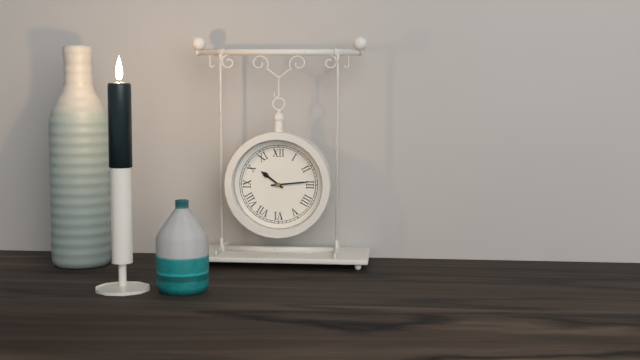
10:14
